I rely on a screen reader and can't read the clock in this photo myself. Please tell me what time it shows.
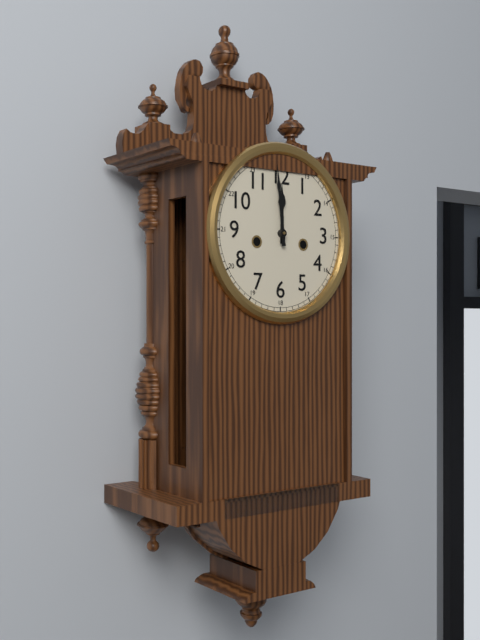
11:59
